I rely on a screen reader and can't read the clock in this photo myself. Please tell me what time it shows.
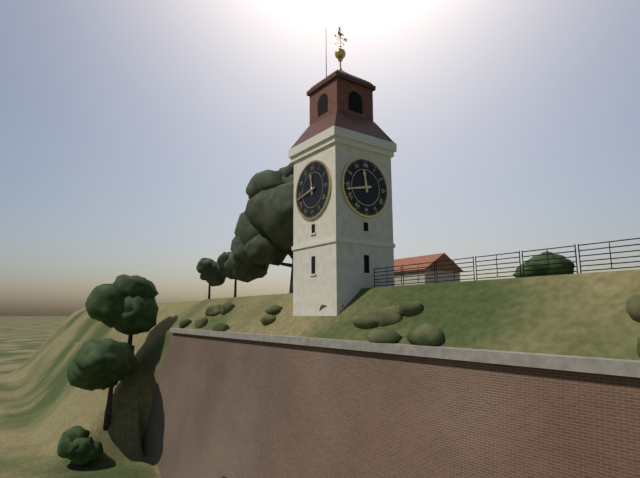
11:43
